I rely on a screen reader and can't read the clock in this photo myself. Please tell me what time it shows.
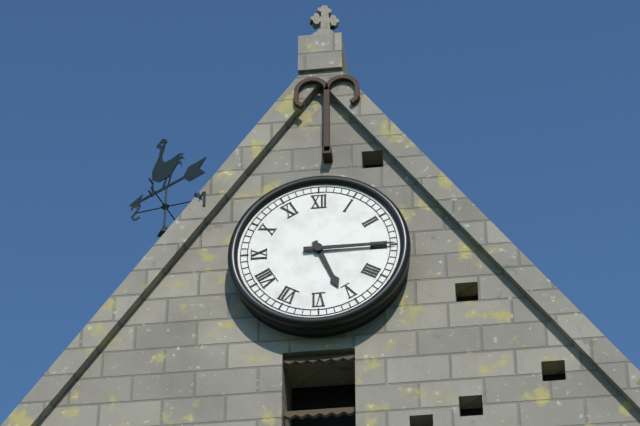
5:15
